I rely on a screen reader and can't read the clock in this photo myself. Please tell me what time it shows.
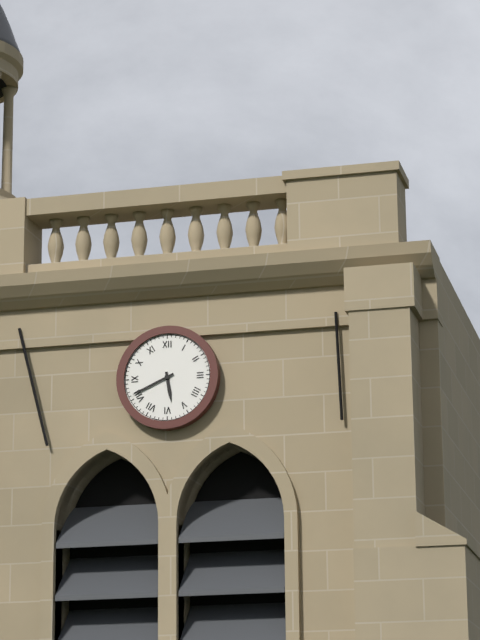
5:41
